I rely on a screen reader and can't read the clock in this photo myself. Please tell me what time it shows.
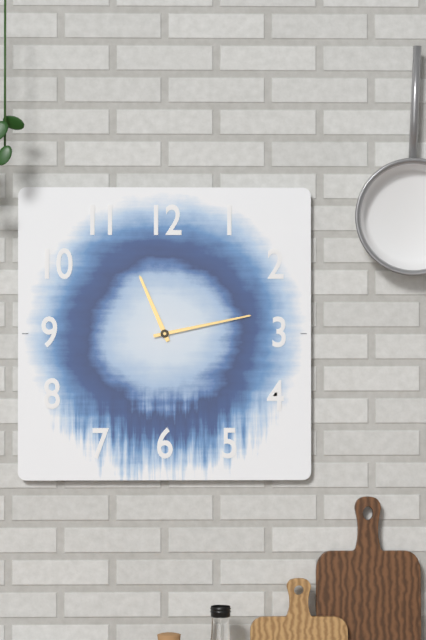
11:13
